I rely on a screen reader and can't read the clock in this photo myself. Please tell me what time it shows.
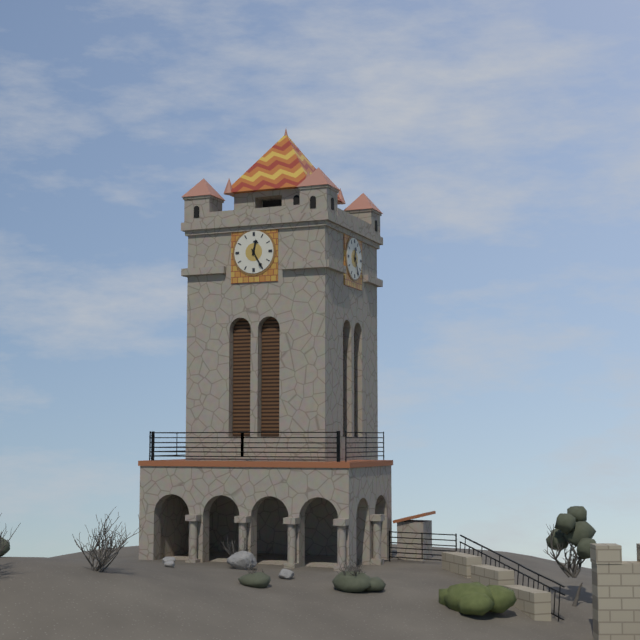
12:25
